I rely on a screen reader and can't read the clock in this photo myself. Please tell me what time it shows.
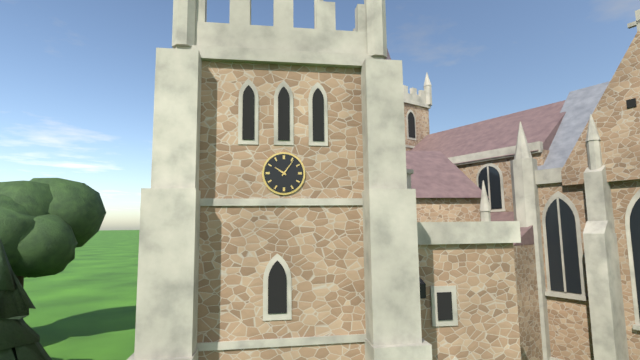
10:06
